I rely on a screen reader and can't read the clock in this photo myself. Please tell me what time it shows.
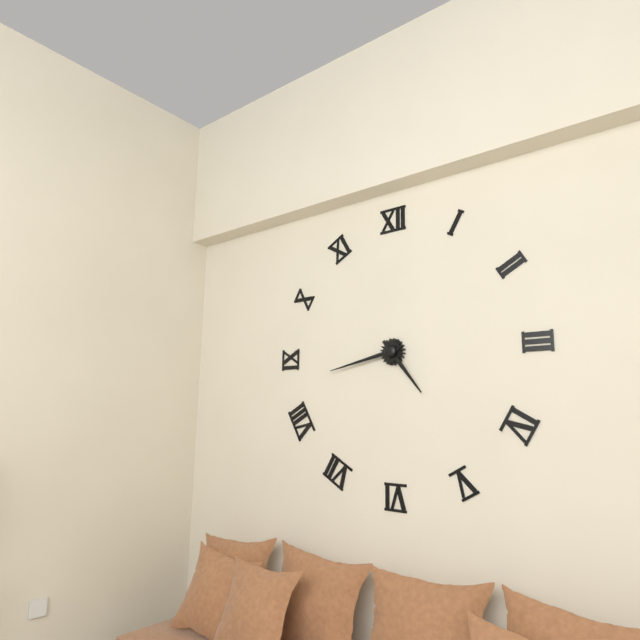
4:43
